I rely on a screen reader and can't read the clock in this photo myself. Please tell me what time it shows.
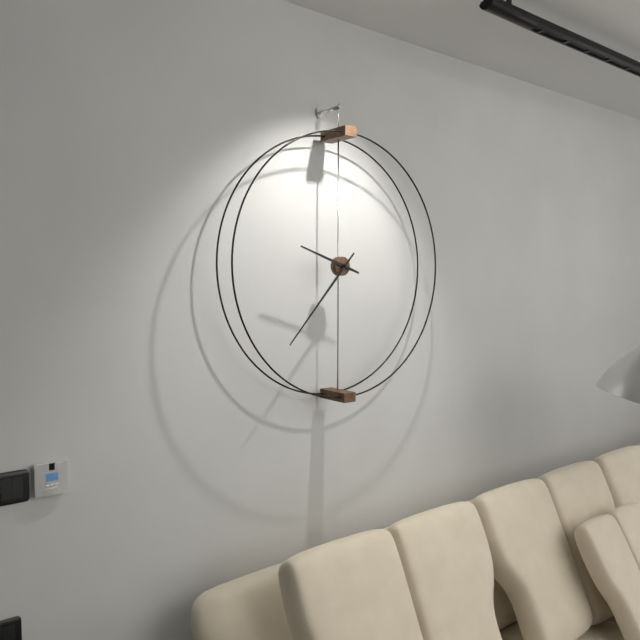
9:37
